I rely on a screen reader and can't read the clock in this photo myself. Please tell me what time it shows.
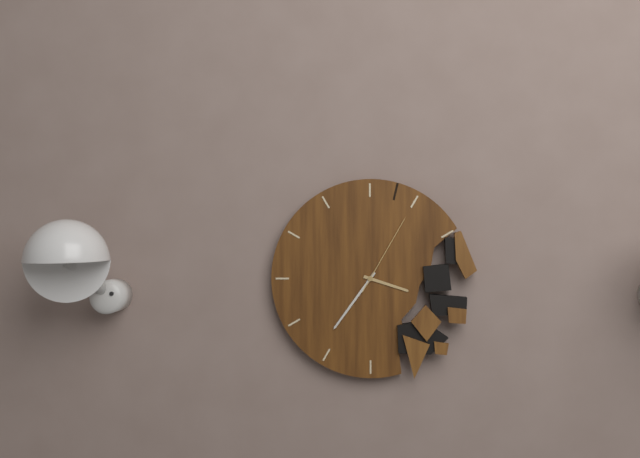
3:36:05
